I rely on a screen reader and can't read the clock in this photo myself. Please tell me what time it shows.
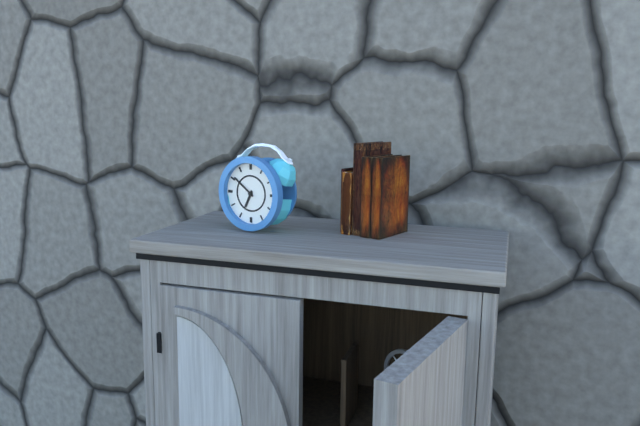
6:51
